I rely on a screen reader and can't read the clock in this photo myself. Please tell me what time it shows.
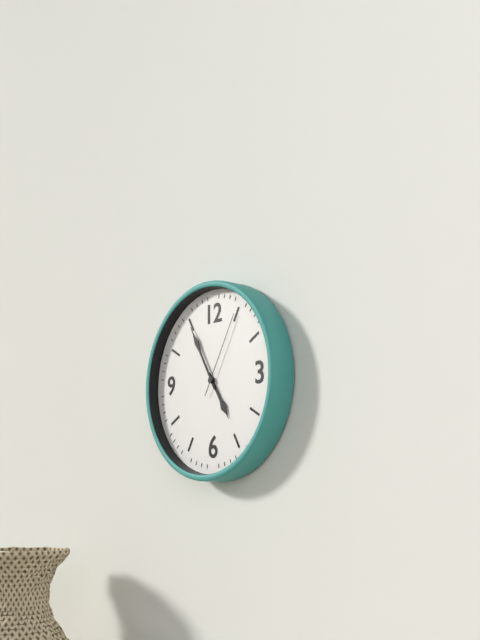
4:55:05
